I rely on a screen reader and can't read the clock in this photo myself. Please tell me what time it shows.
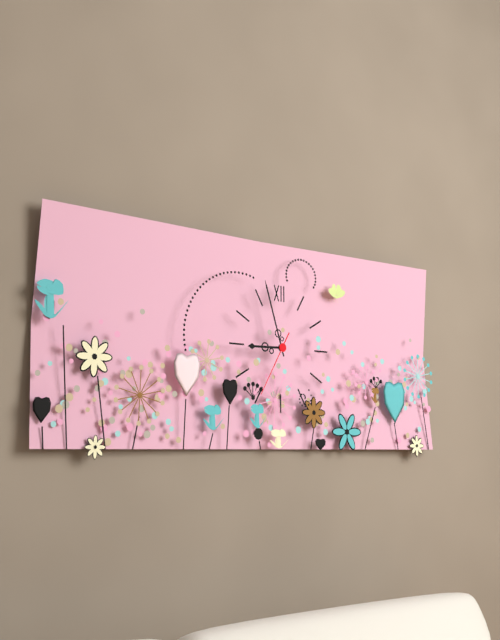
8:57:35
